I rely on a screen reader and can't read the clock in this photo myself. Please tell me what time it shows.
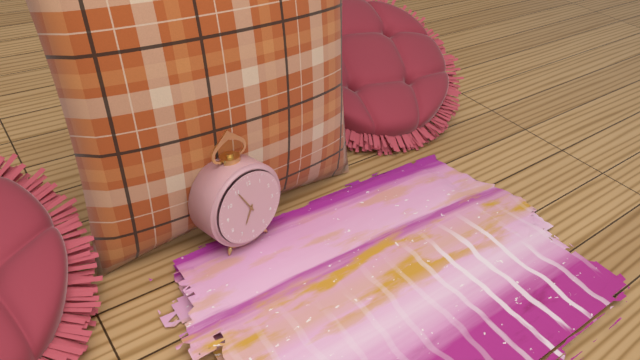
6:55
